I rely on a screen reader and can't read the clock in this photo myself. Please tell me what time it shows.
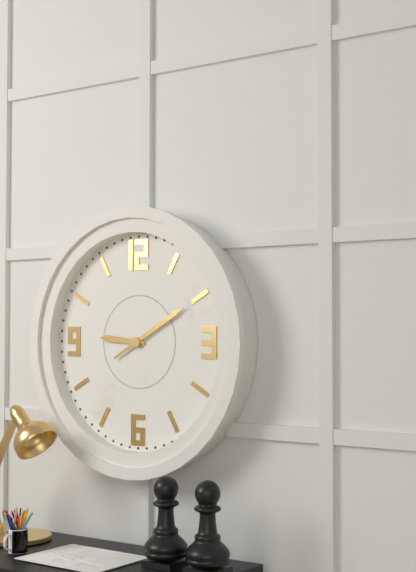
9:10
